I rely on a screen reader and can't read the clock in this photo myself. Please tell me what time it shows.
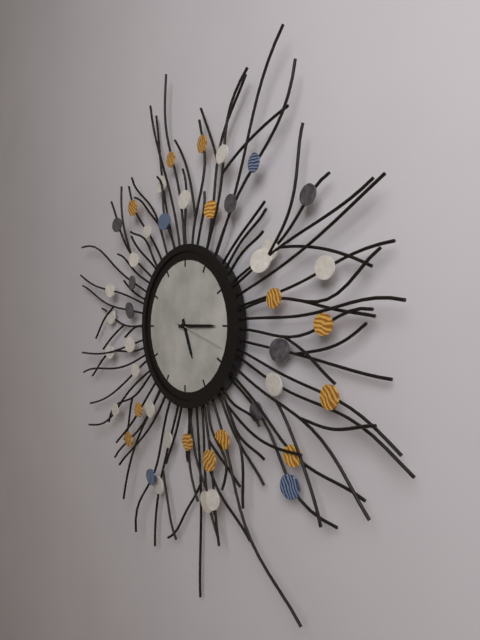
5:15:18
